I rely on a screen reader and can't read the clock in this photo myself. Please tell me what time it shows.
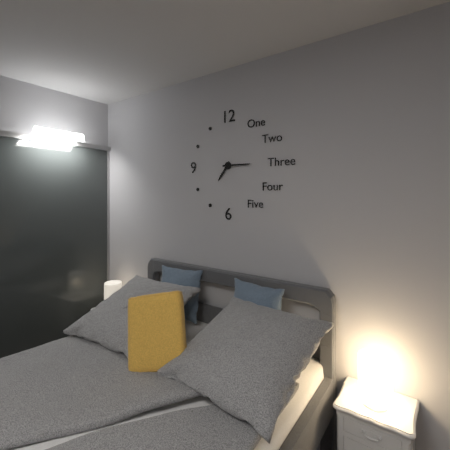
7:15
